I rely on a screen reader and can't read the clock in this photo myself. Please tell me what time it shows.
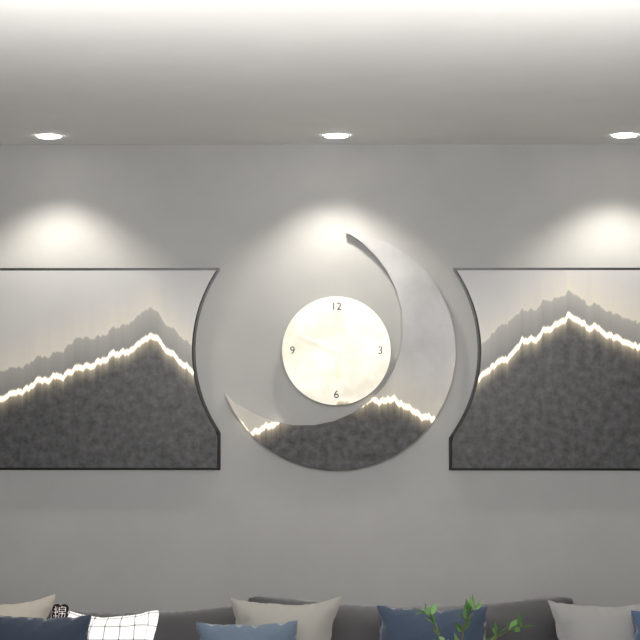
5:49
